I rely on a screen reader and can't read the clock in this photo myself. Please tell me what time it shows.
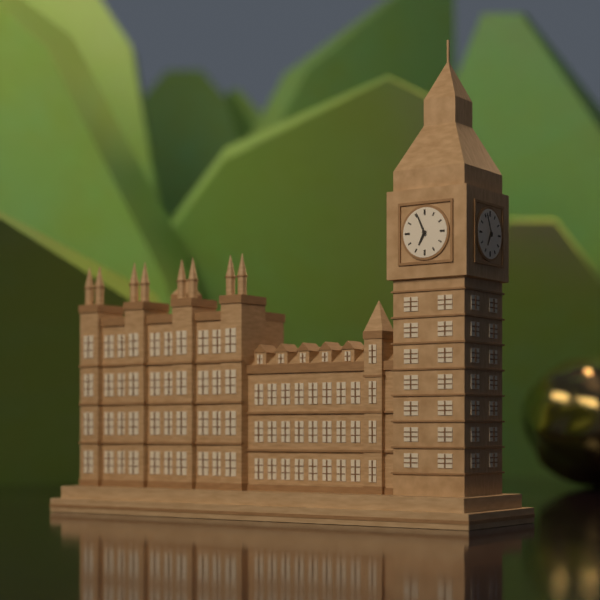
6:56
